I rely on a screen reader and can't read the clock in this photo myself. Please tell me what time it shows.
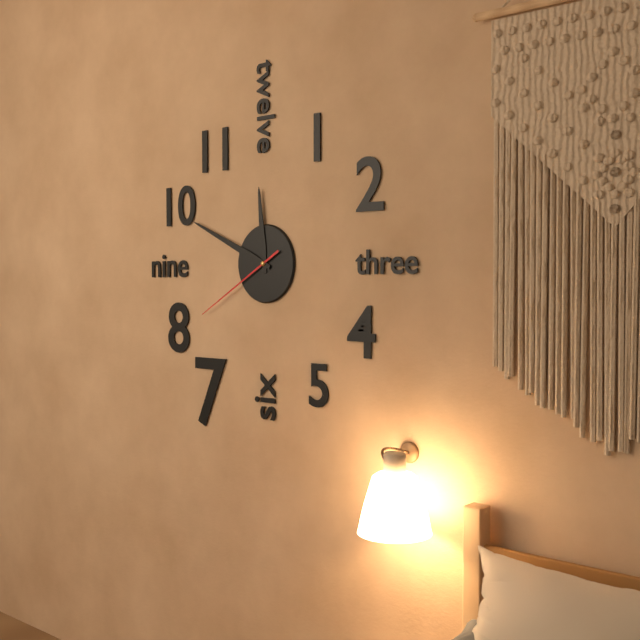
11:49:40
